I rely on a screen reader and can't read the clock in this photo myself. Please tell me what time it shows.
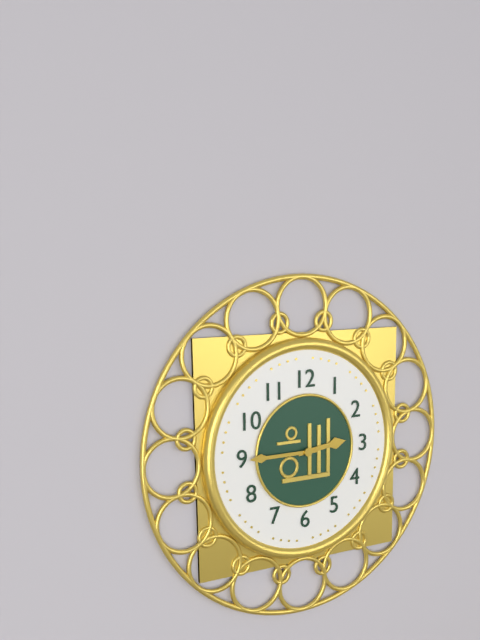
2:45
